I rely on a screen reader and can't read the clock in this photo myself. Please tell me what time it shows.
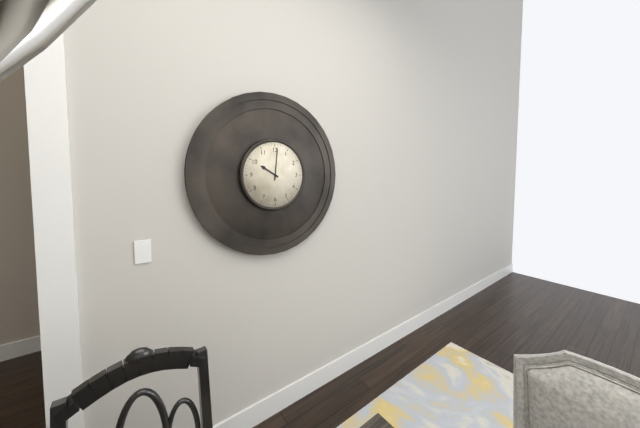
10:01
